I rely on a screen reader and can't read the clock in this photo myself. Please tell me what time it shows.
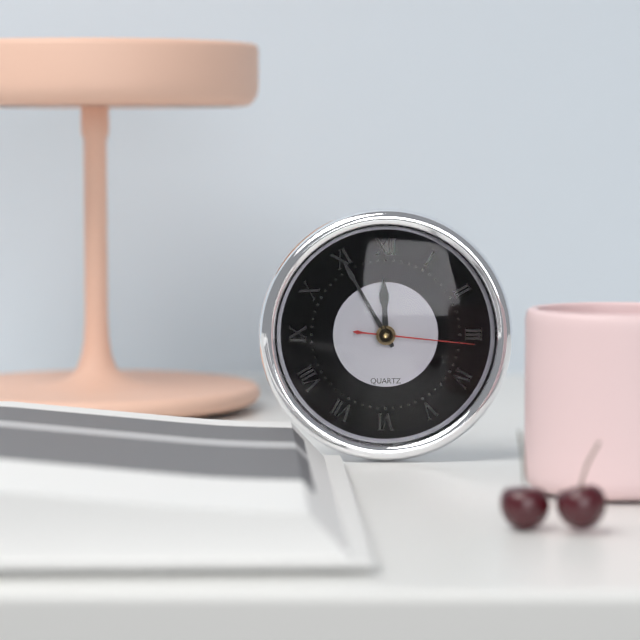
11:55:16
